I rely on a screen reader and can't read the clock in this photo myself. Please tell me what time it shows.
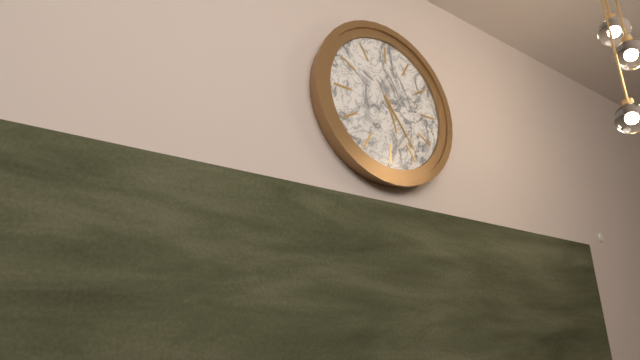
5:24
